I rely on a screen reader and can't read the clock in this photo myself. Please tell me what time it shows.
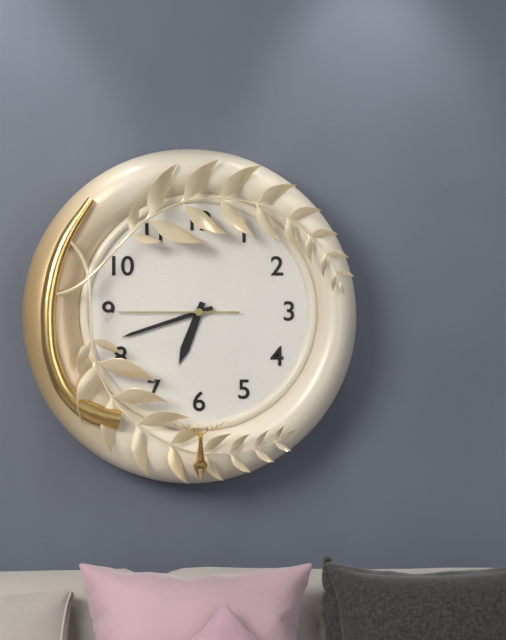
6:42:45
